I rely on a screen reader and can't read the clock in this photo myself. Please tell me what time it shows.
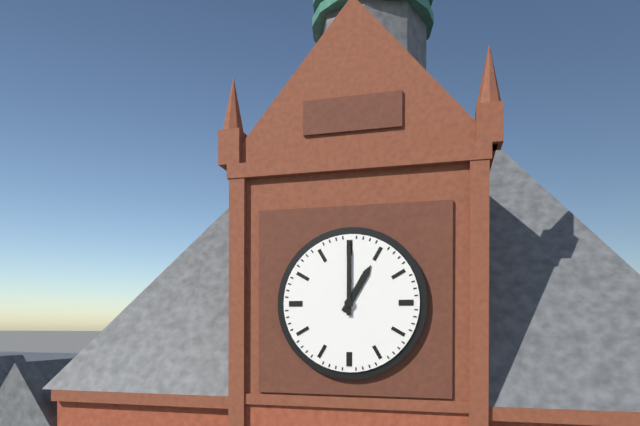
1:00
